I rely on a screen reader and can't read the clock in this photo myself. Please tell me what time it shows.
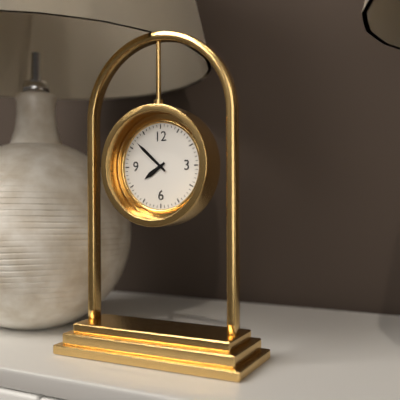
7:52
